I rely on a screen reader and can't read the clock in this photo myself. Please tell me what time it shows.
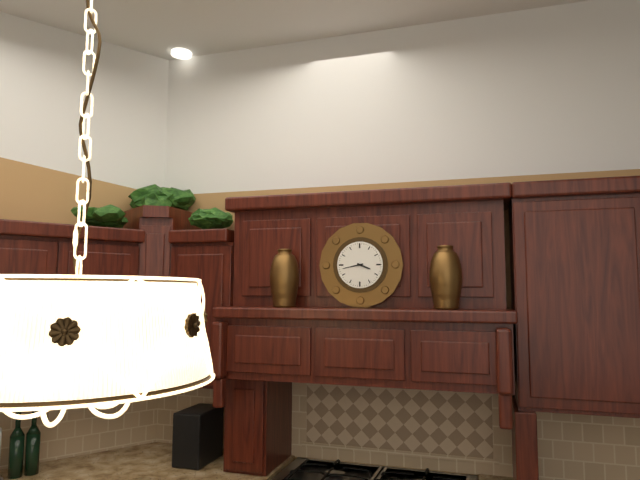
3:43
